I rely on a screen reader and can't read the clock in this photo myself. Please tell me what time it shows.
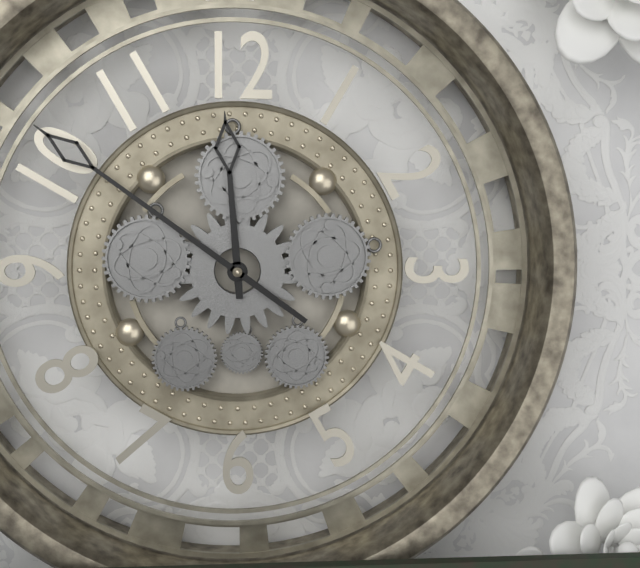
11:51
